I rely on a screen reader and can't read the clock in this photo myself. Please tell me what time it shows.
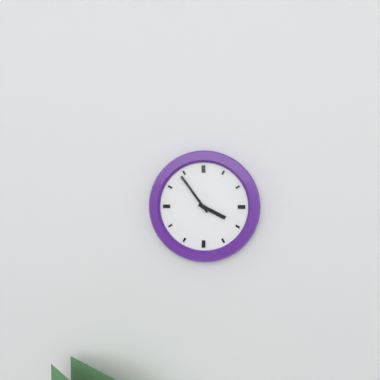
3:54
